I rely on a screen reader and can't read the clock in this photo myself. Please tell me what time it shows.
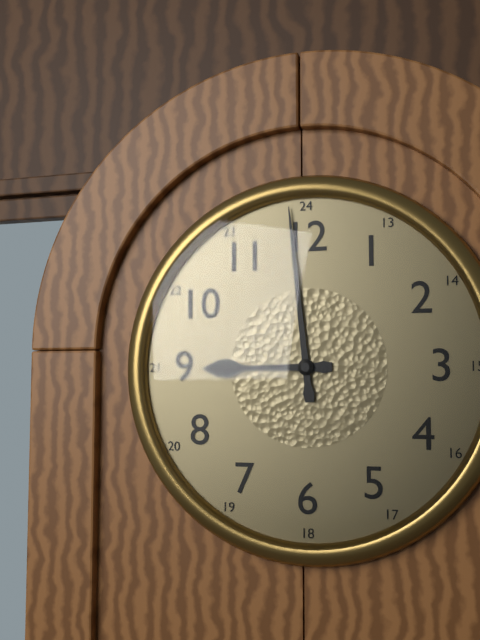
8:59
